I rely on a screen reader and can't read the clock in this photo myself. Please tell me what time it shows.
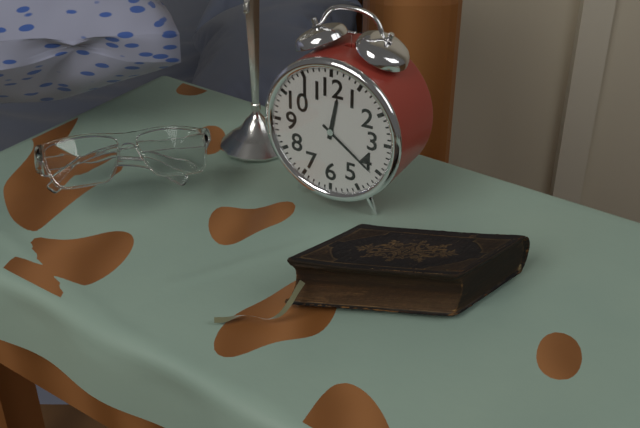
12:21
